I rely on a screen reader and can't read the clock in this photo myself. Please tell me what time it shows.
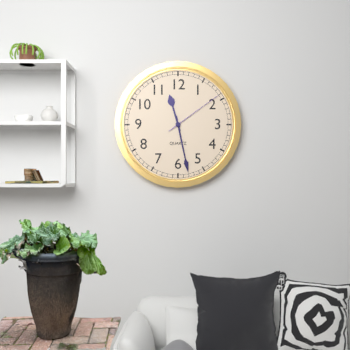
11:28:09
